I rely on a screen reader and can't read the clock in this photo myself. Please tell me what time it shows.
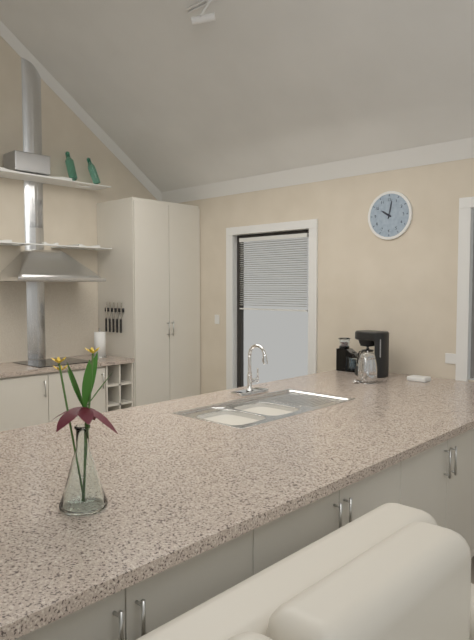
10:02
